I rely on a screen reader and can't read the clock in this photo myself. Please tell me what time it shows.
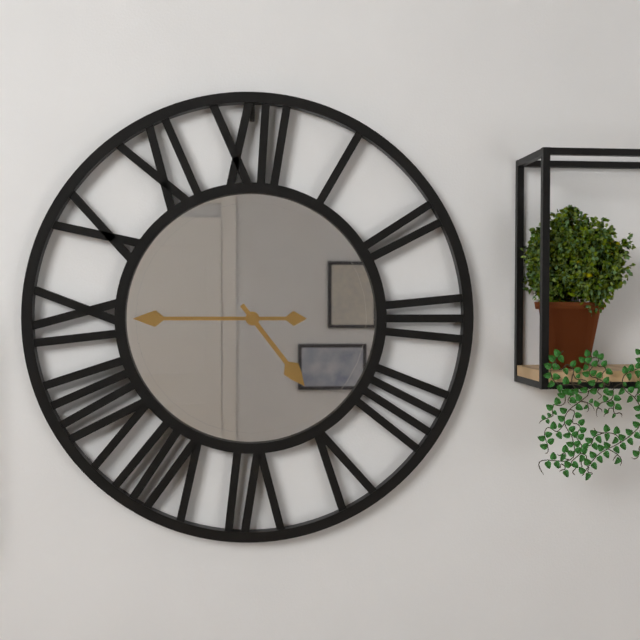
4:45
